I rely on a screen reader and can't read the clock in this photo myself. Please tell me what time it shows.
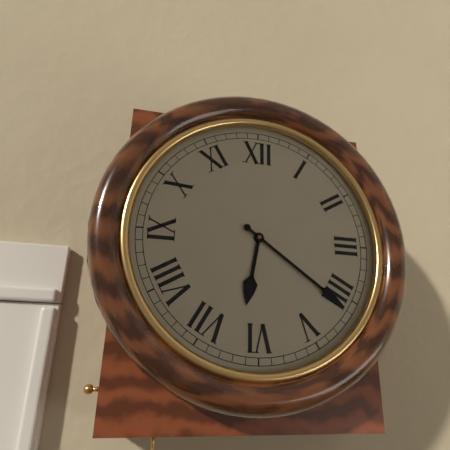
6:21
